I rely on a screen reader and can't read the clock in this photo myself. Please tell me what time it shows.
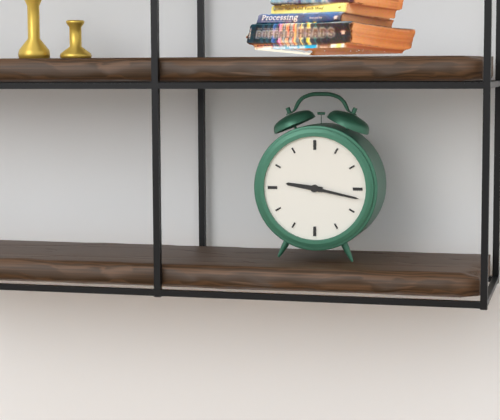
9:17
